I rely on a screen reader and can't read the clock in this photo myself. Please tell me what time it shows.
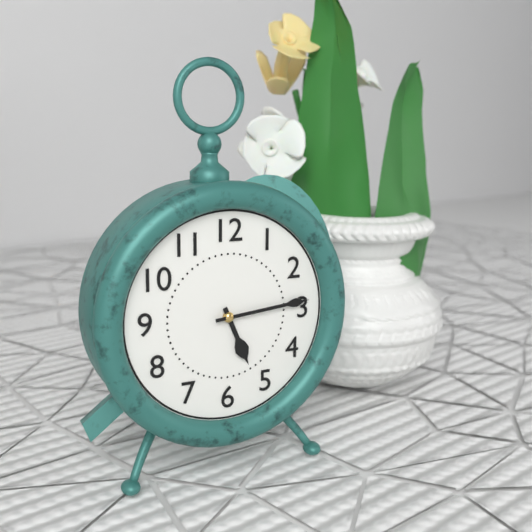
5:14
